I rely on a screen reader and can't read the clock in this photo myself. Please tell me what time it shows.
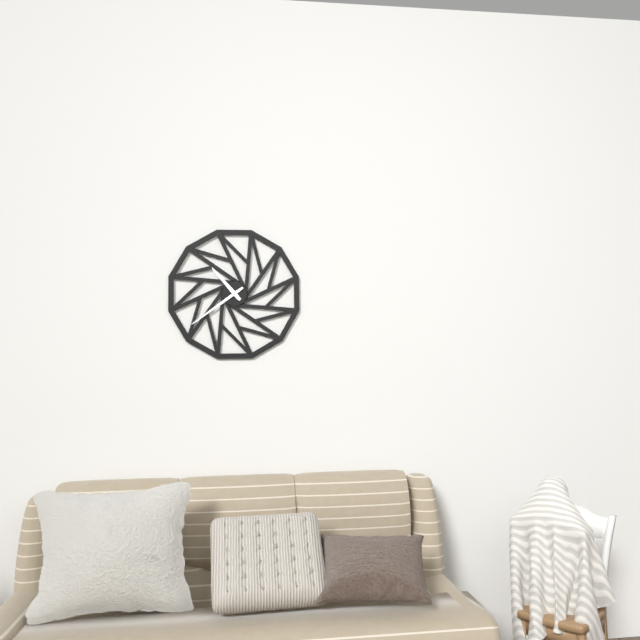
10:39
